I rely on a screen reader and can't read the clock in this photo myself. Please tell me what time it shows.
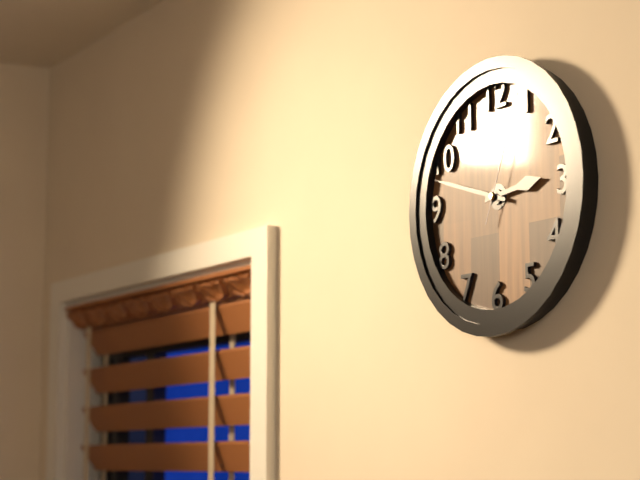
2:48:04
